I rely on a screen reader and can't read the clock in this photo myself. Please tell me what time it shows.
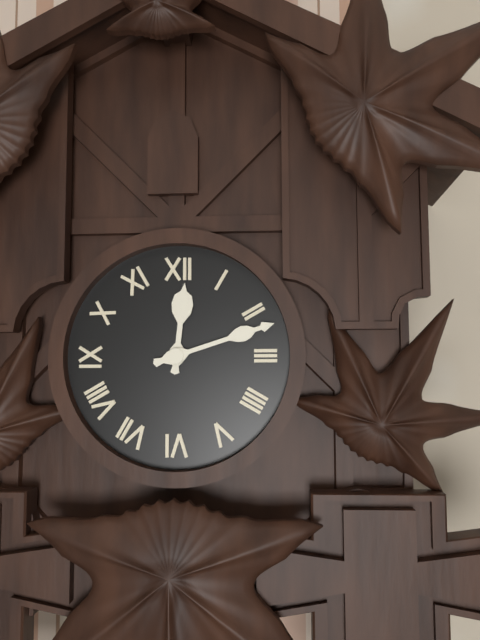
12:12
